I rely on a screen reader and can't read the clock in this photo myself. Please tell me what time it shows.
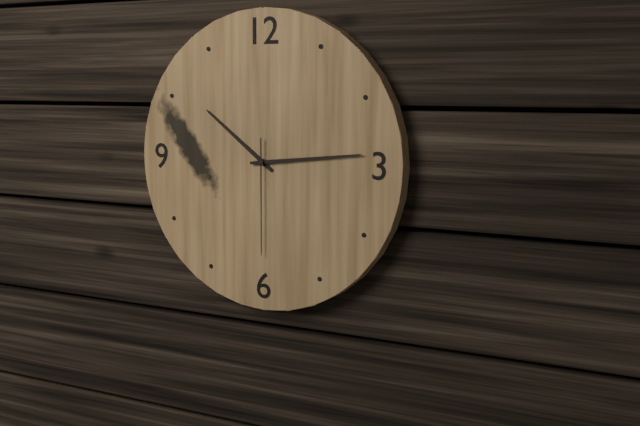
10:14:30
